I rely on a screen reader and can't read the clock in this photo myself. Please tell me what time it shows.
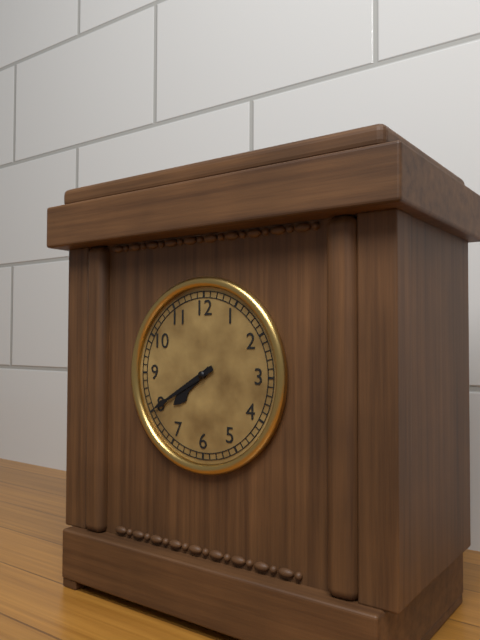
7:40
